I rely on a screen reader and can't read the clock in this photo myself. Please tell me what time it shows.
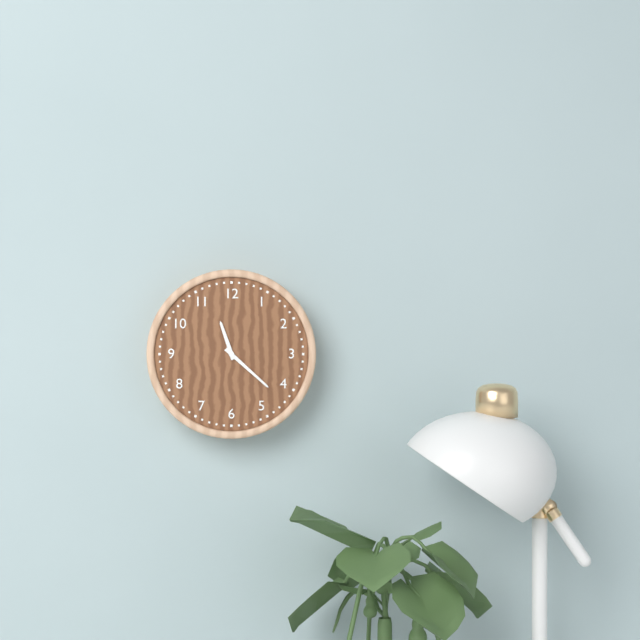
11:22
